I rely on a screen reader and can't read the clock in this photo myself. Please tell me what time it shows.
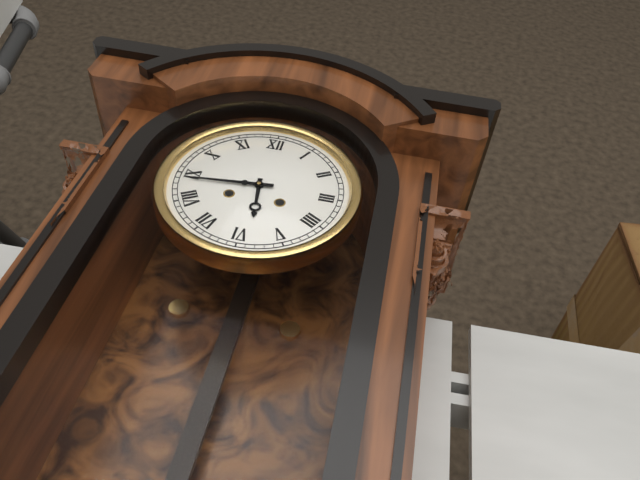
5:44
